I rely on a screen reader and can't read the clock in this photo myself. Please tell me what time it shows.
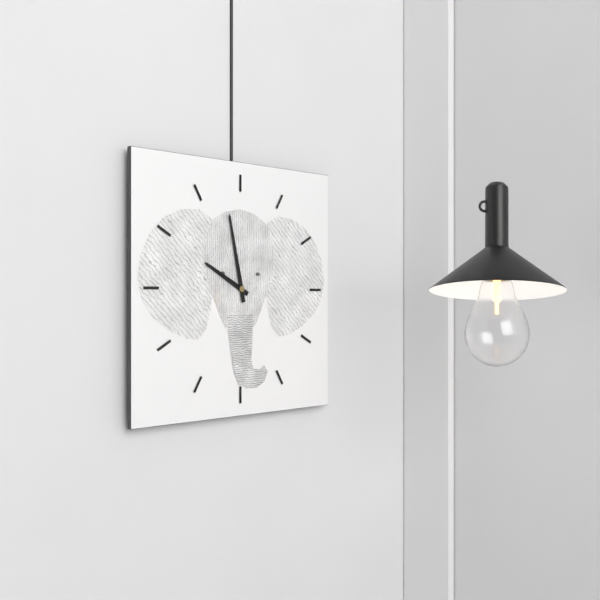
9:58
